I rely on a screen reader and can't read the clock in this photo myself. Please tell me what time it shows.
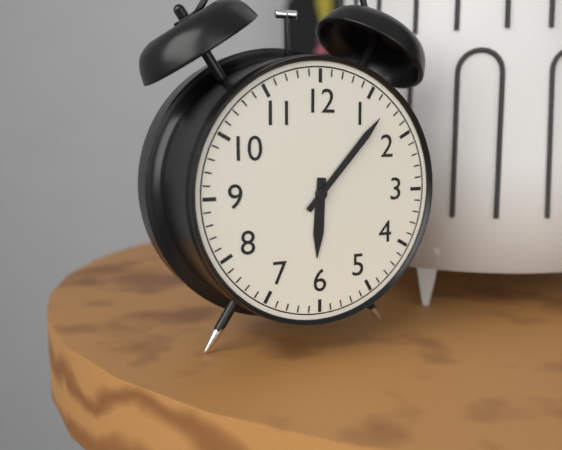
6:07
